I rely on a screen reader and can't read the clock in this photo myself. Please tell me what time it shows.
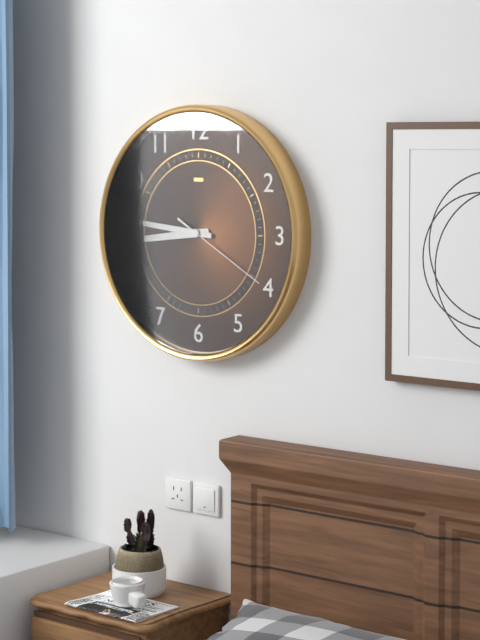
8:46:20
